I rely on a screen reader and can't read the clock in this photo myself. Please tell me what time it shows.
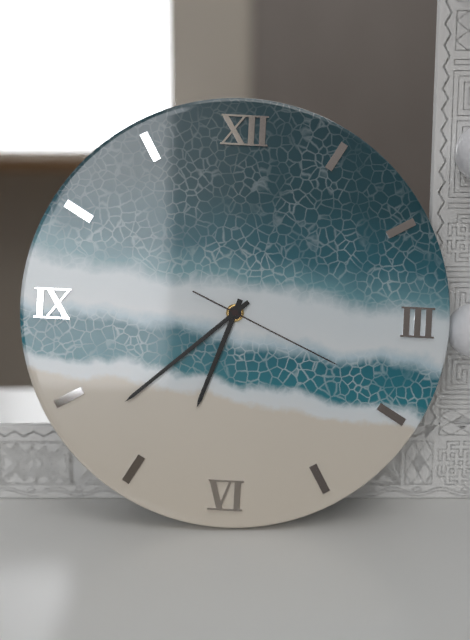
6:38:19
